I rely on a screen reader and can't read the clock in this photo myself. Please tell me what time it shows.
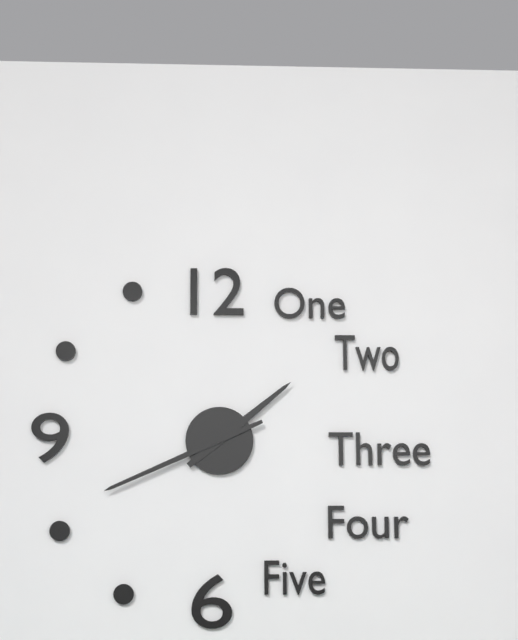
1:41
